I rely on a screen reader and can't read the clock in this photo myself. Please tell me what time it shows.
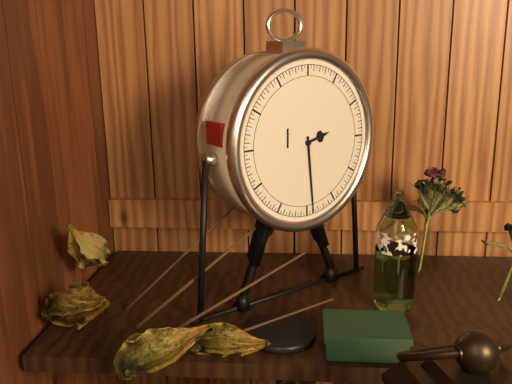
2:29
